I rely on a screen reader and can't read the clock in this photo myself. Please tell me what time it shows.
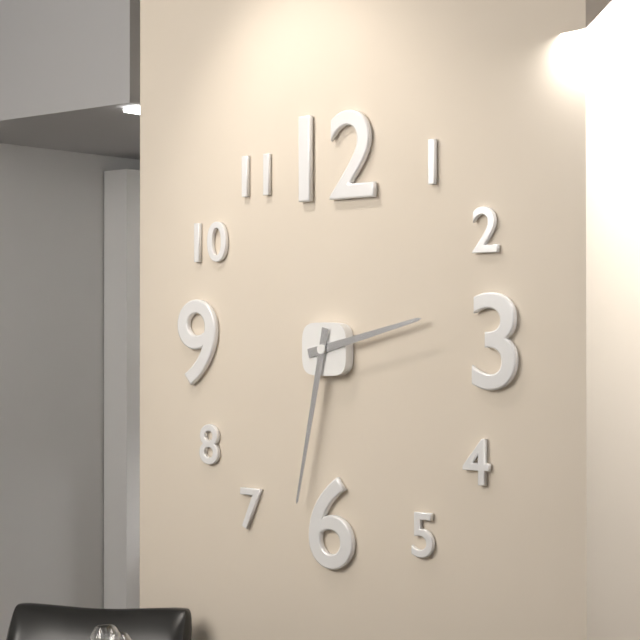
2:32
